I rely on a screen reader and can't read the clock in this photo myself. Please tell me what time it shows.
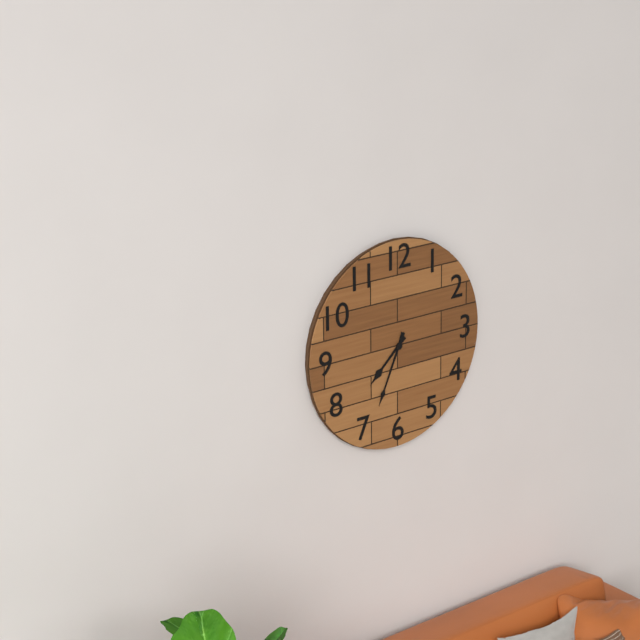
7:34
